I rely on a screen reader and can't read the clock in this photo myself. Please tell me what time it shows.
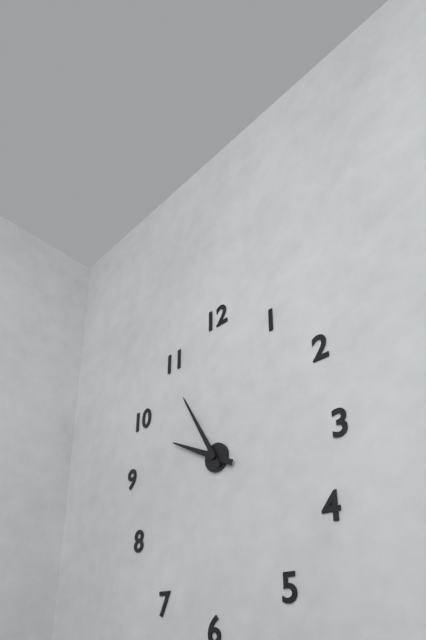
9:55
